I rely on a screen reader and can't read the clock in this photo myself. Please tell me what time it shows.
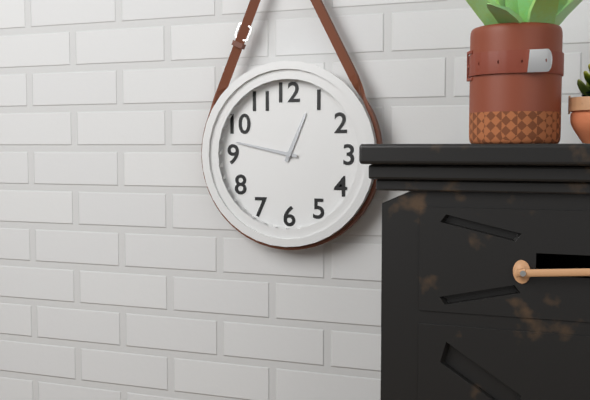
12:47
